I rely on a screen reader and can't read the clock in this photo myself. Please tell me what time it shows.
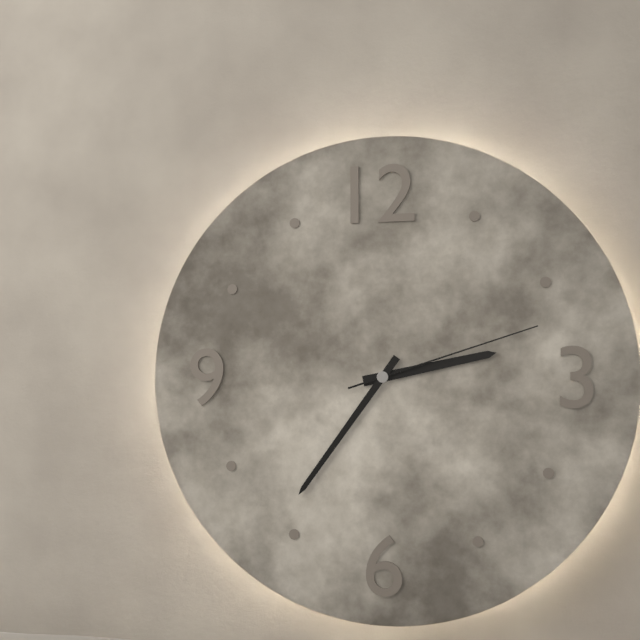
2:36:12
